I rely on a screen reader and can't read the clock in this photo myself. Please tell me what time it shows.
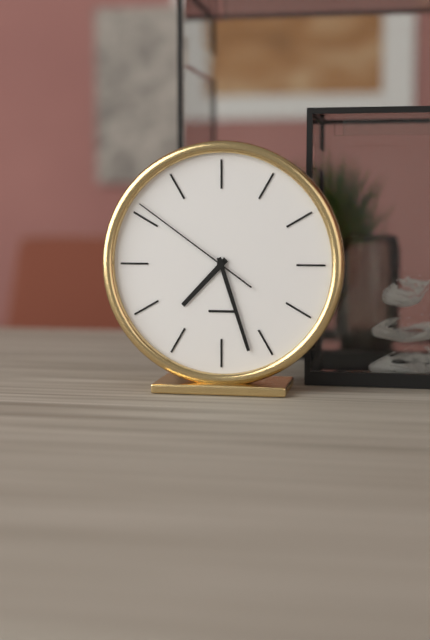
7:27:51
